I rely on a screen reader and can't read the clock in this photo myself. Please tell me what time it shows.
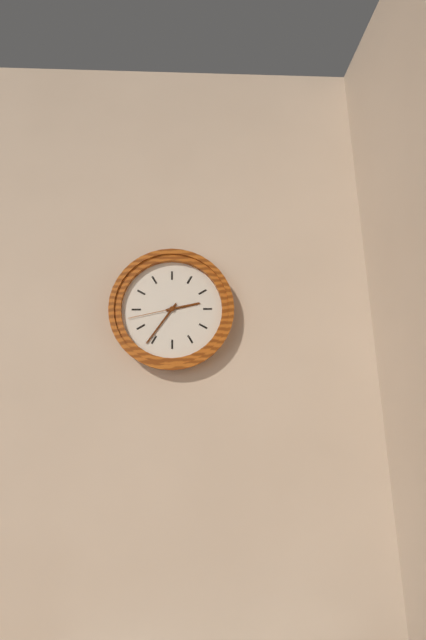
2:36:43
